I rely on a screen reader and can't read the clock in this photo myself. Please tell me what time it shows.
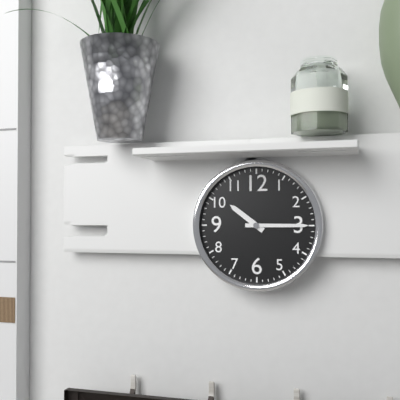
10:15
